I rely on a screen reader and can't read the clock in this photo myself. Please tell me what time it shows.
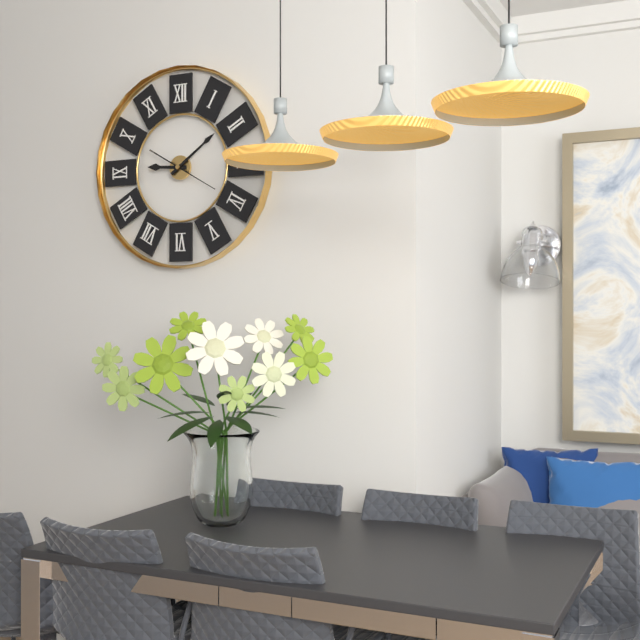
9:09
